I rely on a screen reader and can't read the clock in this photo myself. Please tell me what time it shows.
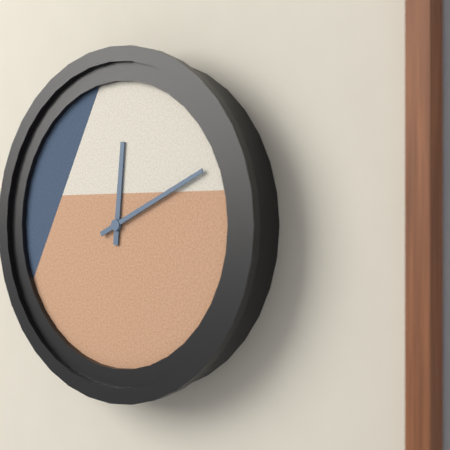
12:11
